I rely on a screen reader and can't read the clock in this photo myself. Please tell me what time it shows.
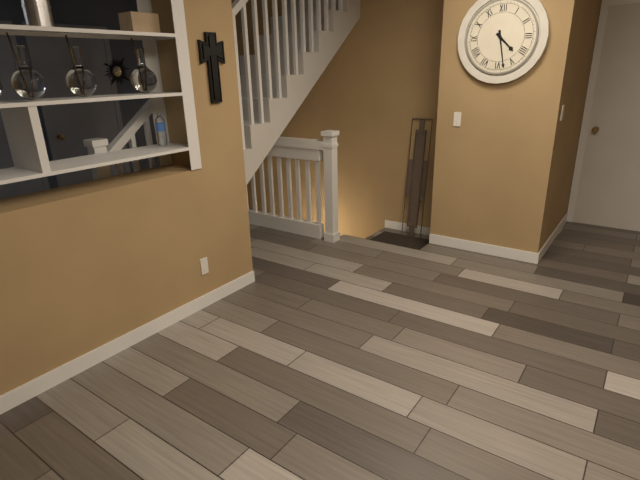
4:28
